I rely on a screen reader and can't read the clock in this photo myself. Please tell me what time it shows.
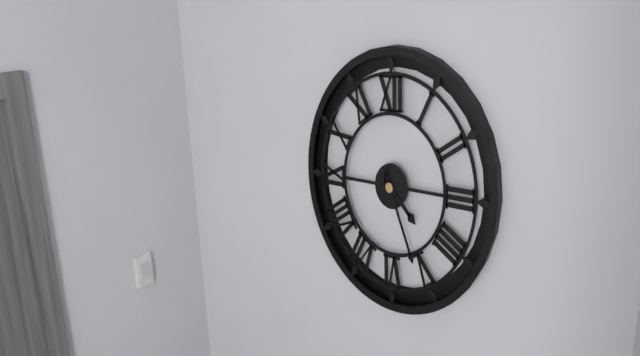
4:26
